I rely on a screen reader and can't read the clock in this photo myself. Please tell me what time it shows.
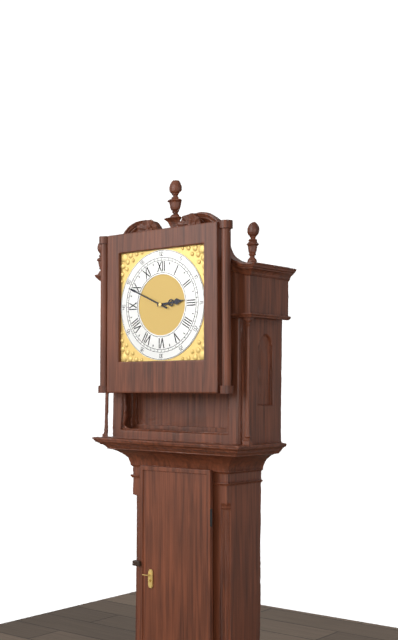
2:49
